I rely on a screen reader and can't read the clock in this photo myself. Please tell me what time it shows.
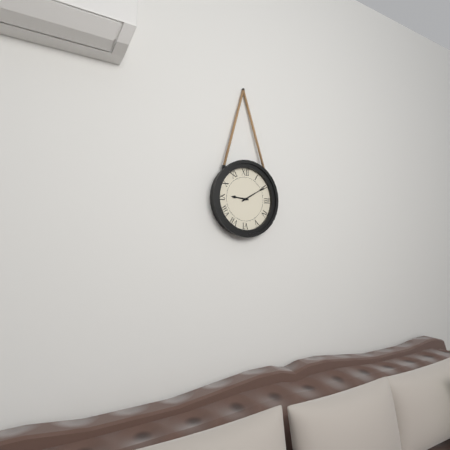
9:10
